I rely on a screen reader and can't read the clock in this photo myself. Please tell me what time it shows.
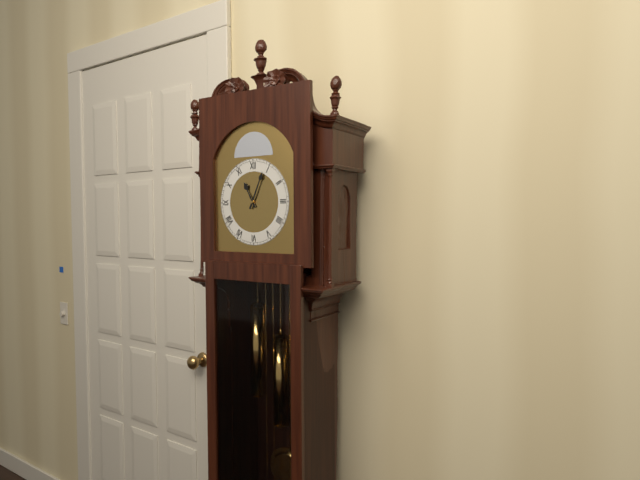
11:04
